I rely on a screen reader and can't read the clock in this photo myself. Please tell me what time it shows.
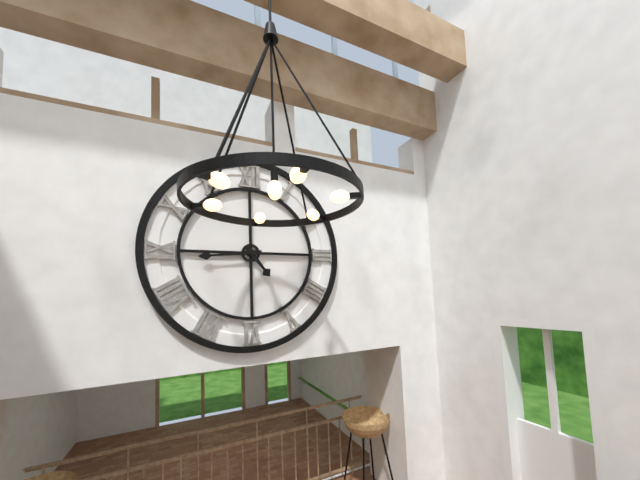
4:44
